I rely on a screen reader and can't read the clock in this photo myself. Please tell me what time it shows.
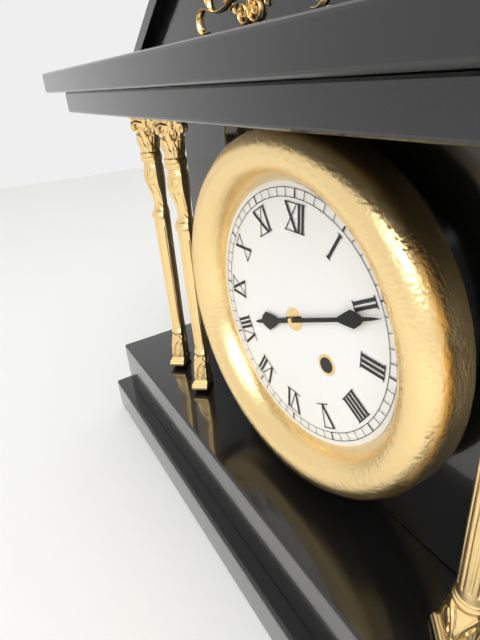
8:11
